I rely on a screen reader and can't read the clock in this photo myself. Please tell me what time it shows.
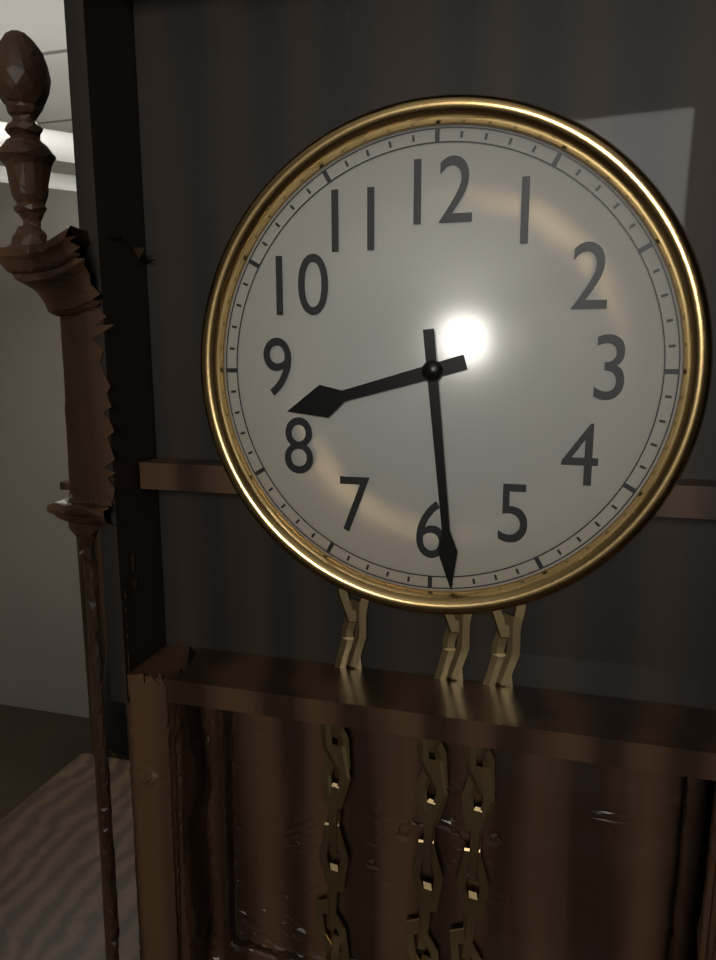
8:29
